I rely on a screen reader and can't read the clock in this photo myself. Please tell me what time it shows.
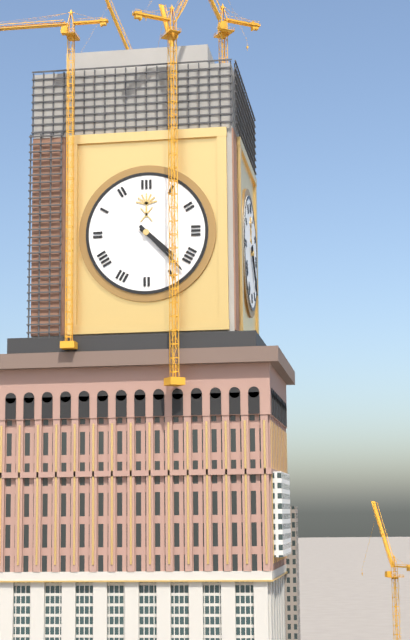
4:23
